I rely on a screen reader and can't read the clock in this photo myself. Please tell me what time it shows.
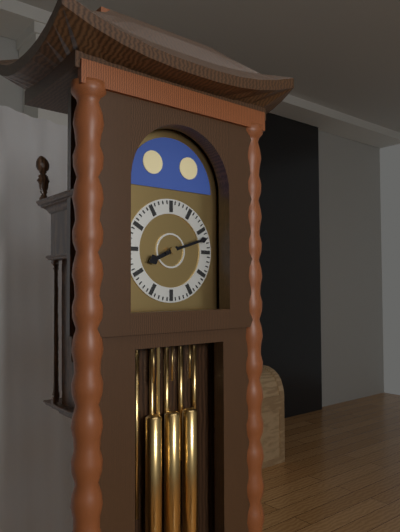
8:12
